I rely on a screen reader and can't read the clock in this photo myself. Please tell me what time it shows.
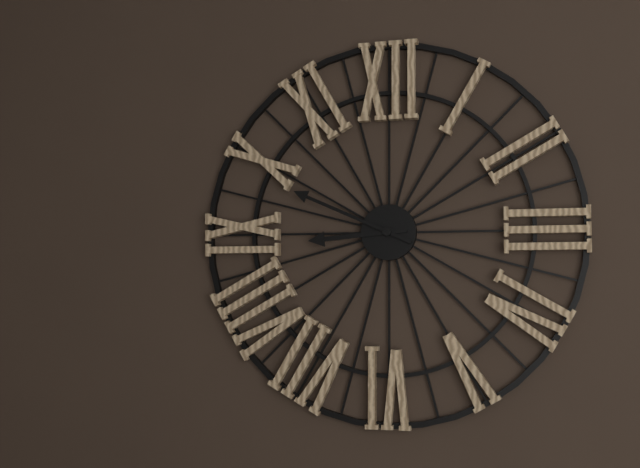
8:49
